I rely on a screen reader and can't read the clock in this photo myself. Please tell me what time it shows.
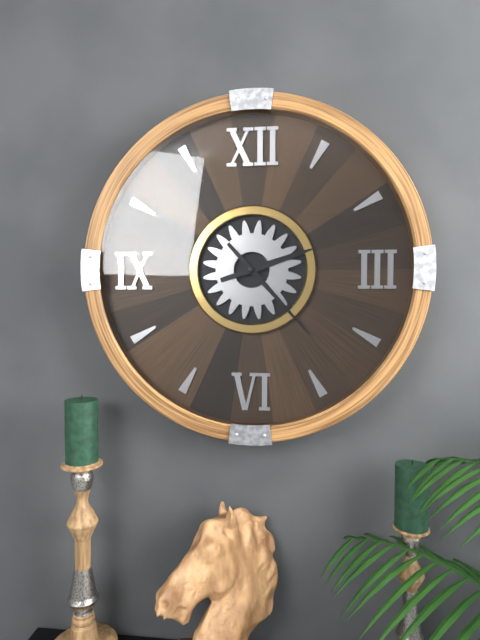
2:23
